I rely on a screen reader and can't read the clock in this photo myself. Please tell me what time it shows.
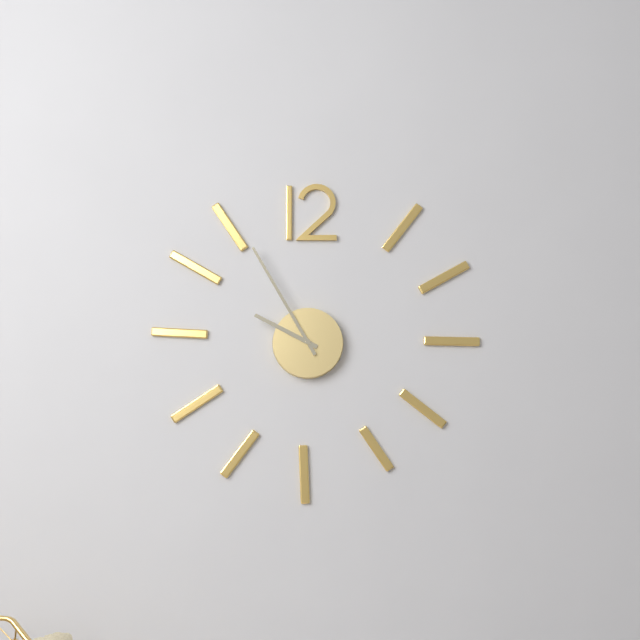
9:55
